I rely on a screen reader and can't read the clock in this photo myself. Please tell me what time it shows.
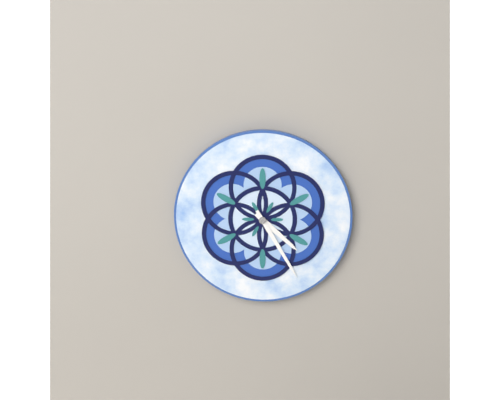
4:25
